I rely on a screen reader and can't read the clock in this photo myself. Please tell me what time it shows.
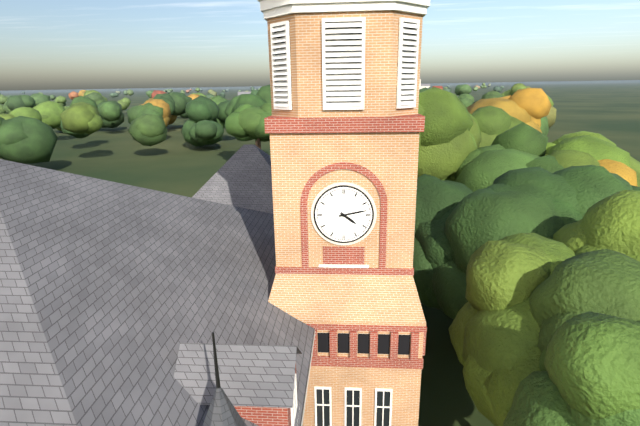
4:13
